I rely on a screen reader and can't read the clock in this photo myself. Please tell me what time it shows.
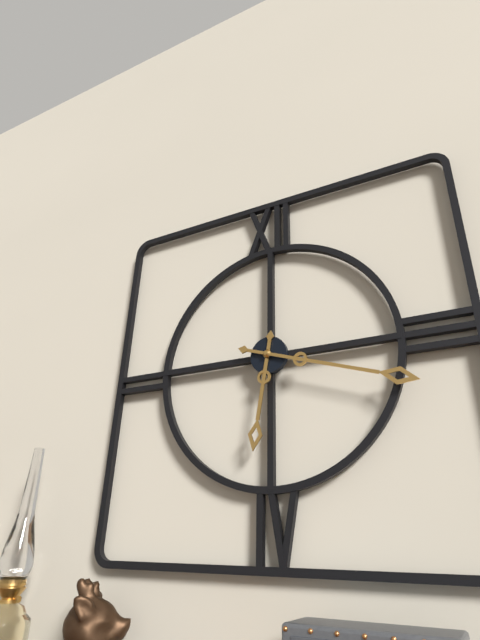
6:18
